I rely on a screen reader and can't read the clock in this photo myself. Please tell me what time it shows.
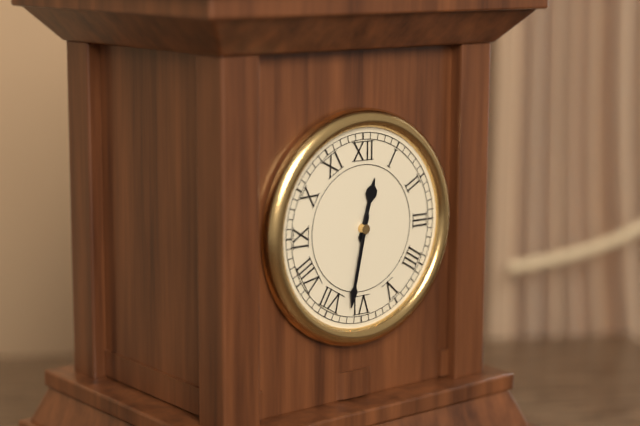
12:32
